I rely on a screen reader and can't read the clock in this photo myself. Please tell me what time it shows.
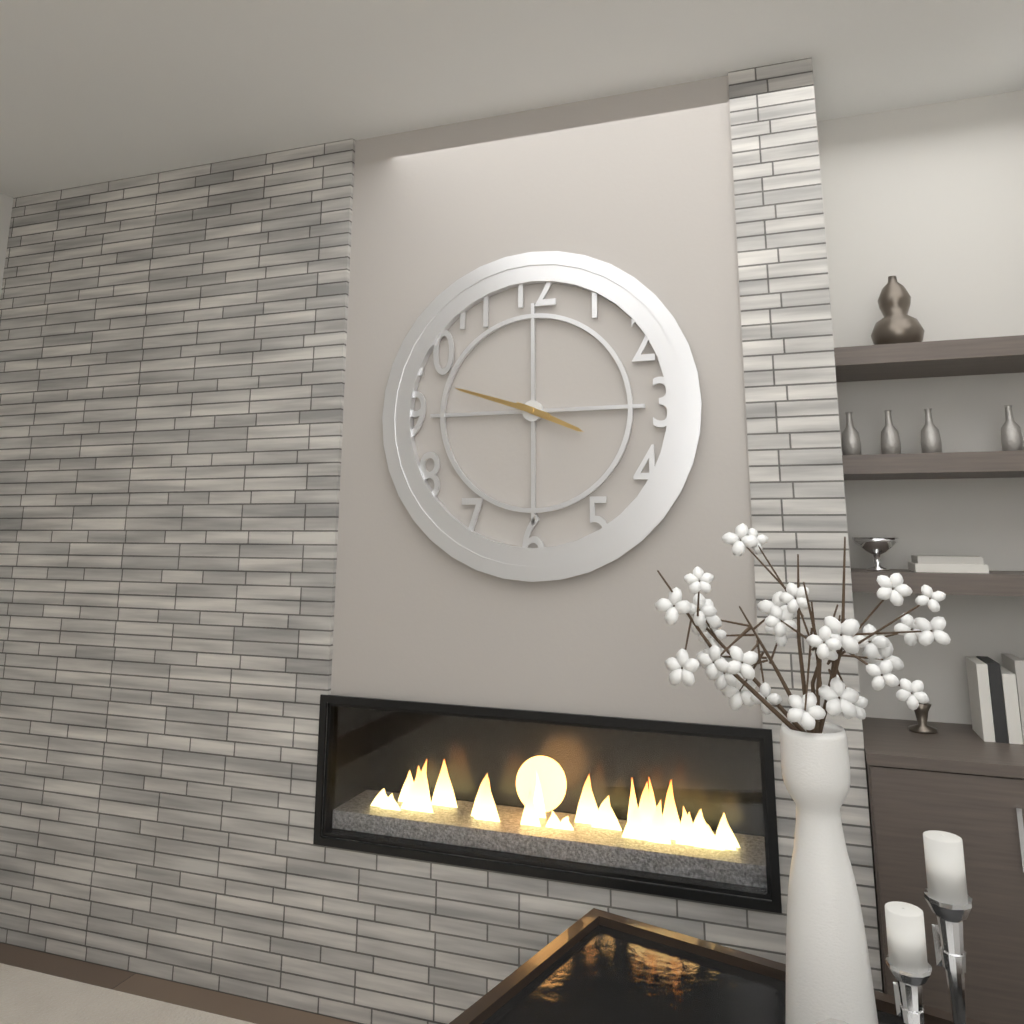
3:48
